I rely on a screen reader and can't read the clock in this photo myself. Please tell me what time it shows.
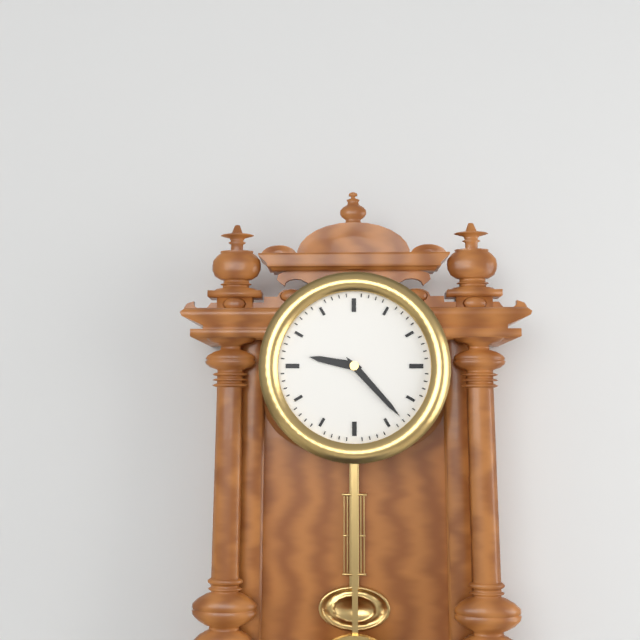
9:23
